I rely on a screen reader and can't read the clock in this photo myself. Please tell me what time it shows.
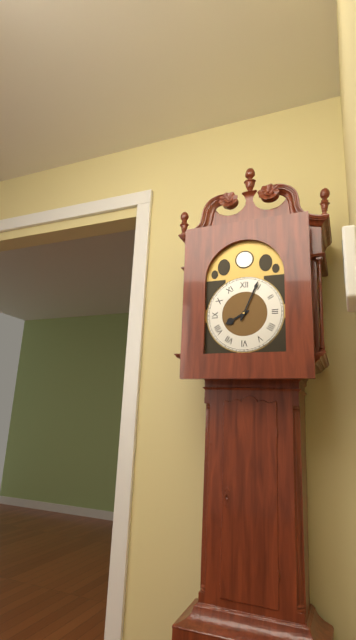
8:04
